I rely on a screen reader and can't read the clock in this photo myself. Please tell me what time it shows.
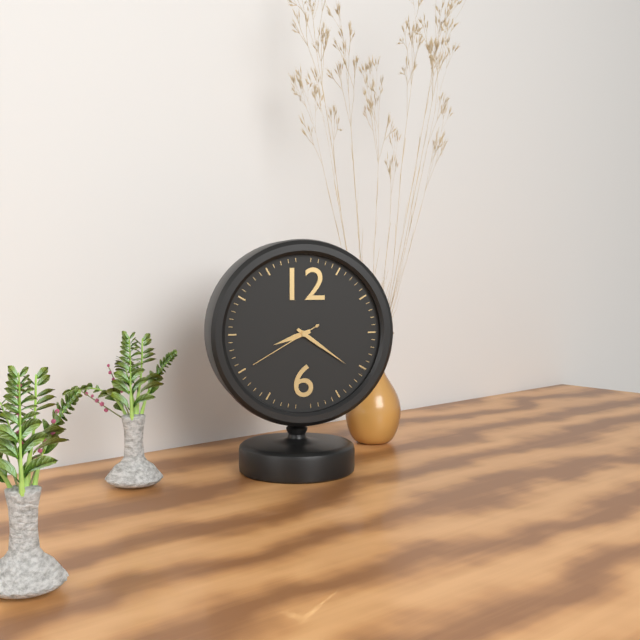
8:21:40
